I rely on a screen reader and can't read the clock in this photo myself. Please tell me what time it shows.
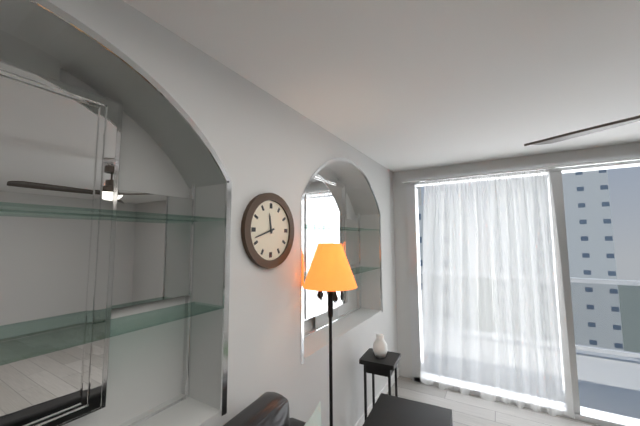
11:42
